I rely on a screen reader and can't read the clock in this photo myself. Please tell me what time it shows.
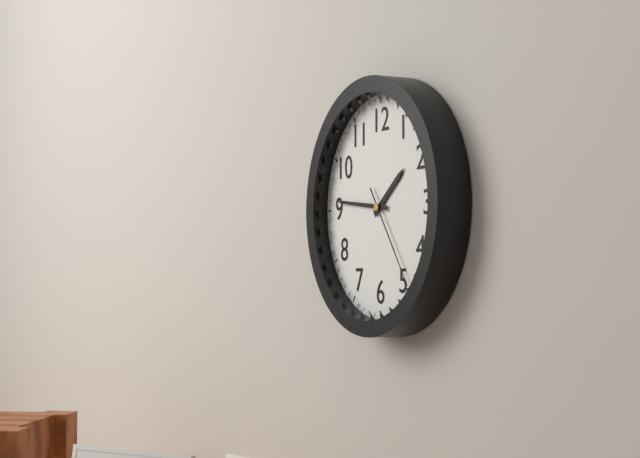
1:46:24
